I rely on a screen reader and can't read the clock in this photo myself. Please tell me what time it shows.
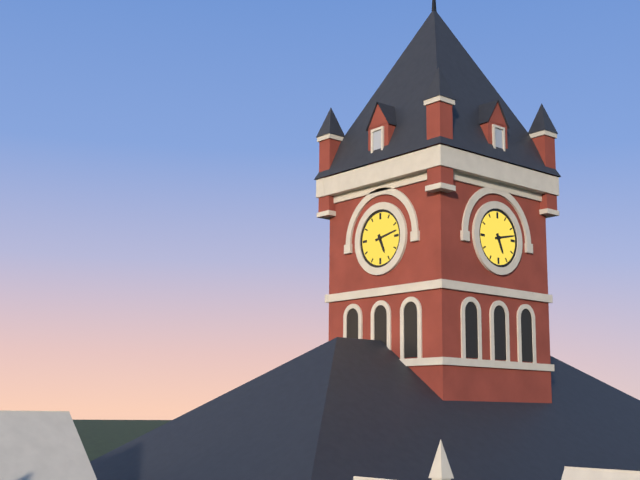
5:13
